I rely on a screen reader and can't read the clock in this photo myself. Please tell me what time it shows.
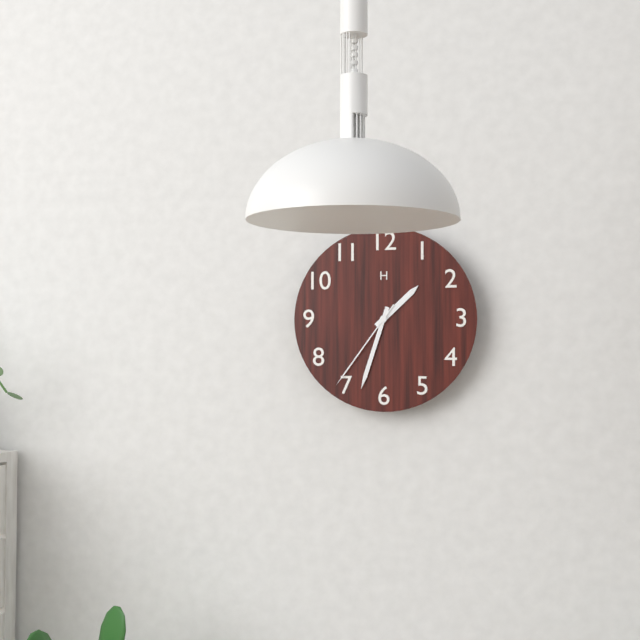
1:33:36
